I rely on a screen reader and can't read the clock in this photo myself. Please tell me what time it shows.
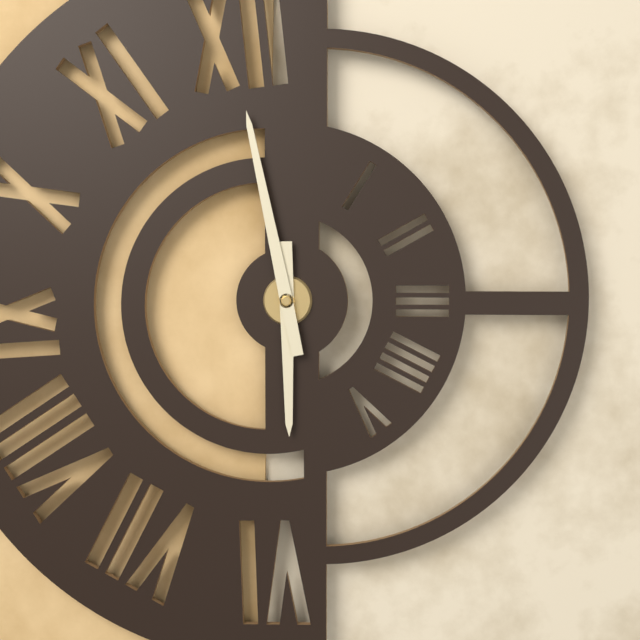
5:58
